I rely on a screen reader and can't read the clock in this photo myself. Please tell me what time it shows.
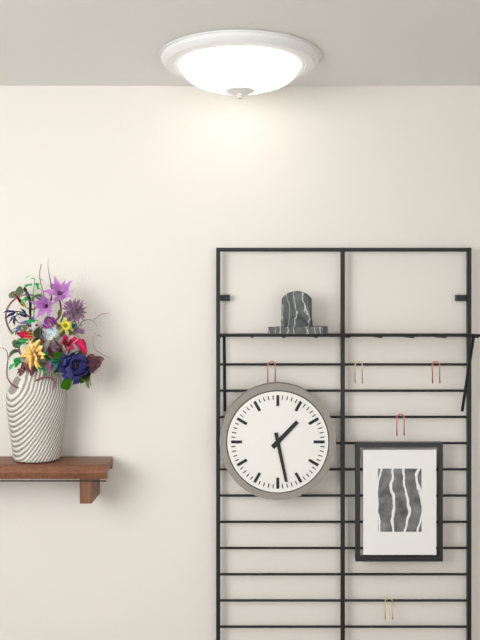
1:28
